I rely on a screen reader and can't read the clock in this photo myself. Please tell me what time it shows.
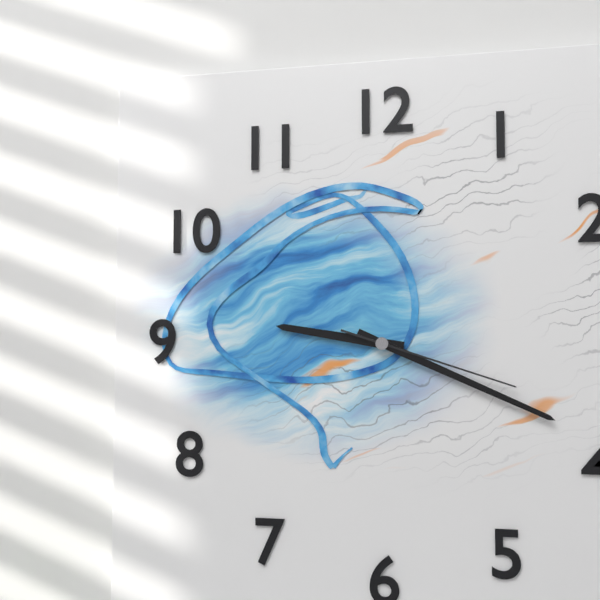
9:19:18
